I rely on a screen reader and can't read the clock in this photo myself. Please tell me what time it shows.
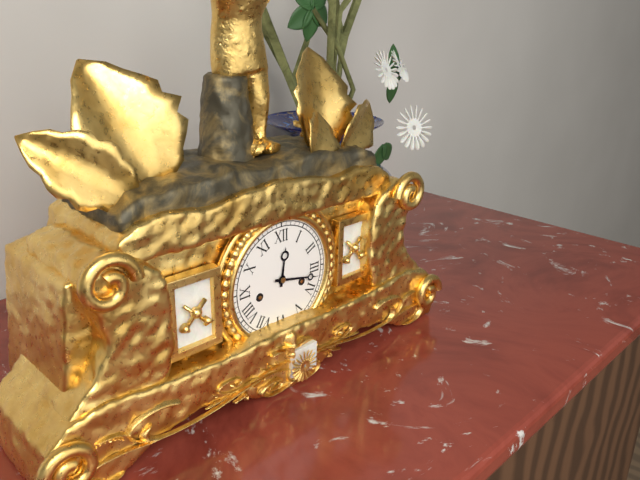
12:17
